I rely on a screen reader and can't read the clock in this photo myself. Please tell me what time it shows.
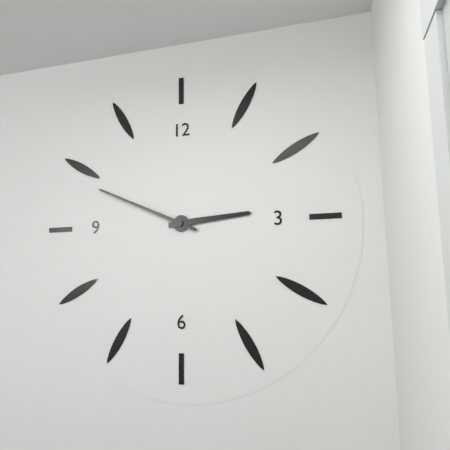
2:49
